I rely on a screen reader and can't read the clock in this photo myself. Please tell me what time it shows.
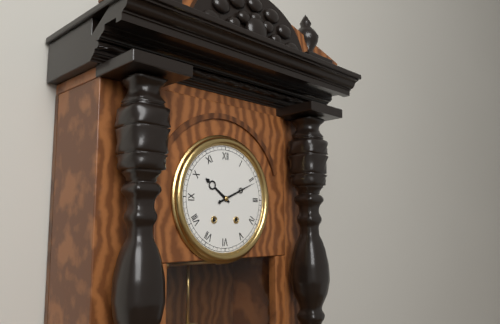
10:11
